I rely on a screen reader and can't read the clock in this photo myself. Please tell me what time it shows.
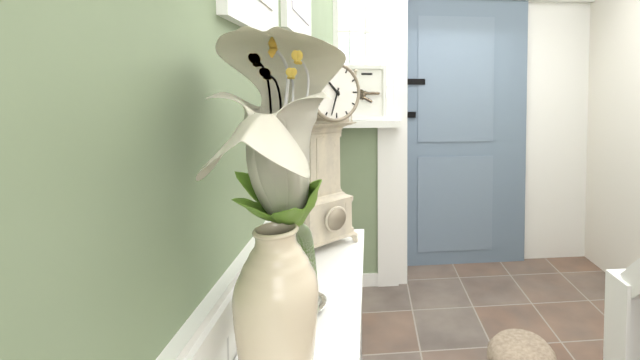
10:33
